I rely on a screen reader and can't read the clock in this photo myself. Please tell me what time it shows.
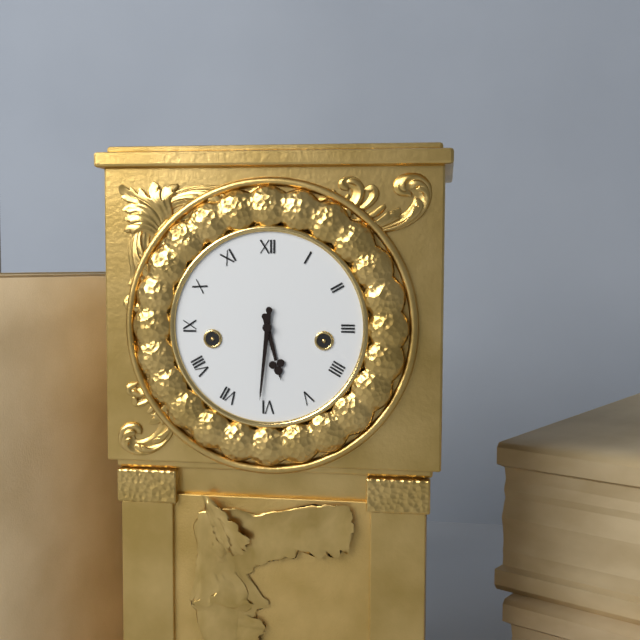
5:31
